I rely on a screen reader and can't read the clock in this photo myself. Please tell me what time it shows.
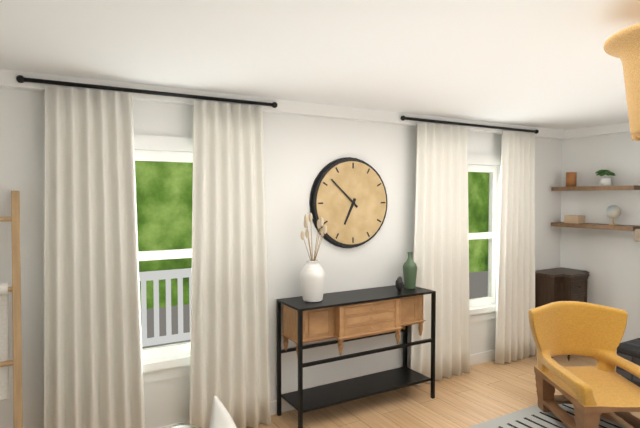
6:52
